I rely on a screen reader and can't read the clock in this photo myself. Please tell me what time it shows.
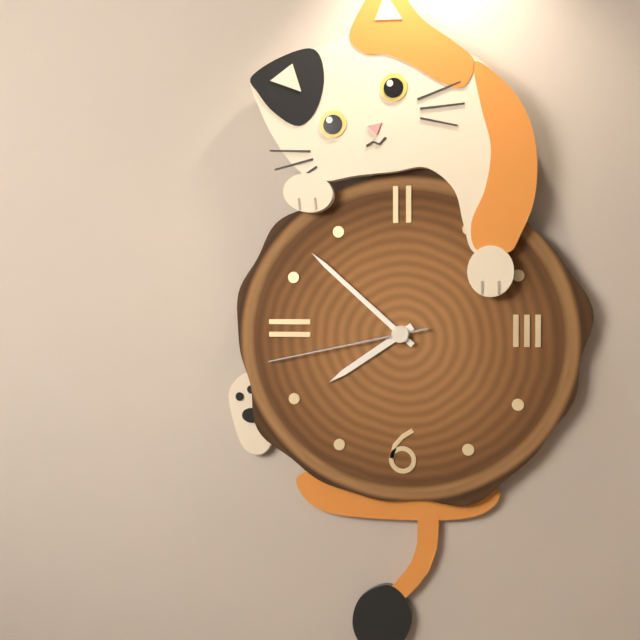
7:52:43
